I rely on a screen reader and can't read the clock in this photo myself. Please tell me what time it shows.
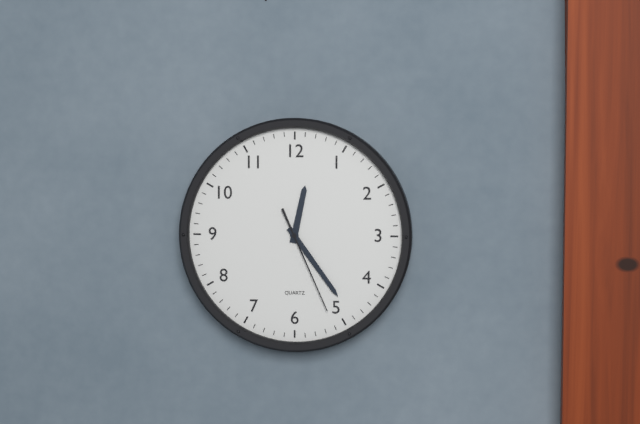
12:24:26
